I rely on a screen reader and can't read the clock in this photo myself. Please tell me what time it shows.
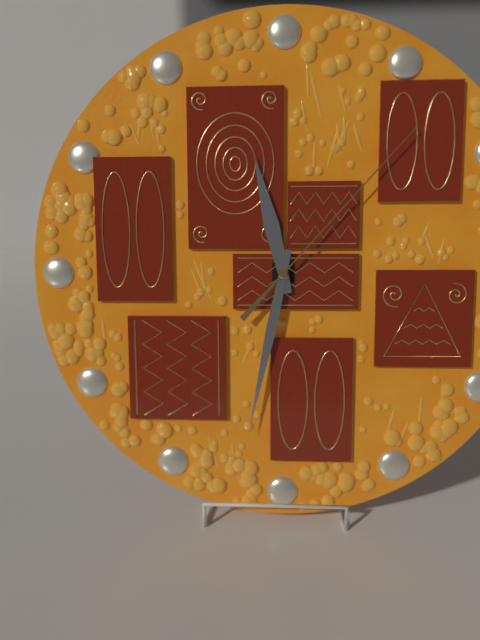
11:32:07
